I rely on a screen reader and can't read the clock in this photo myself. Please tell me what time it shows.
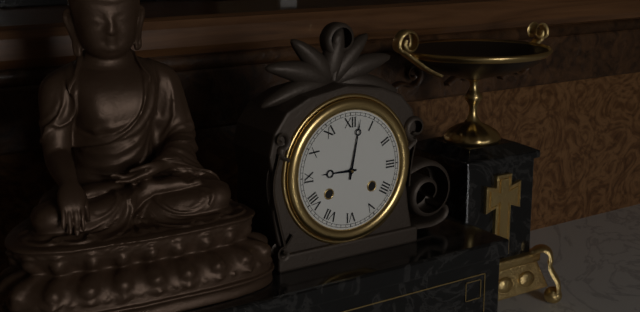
9:02
